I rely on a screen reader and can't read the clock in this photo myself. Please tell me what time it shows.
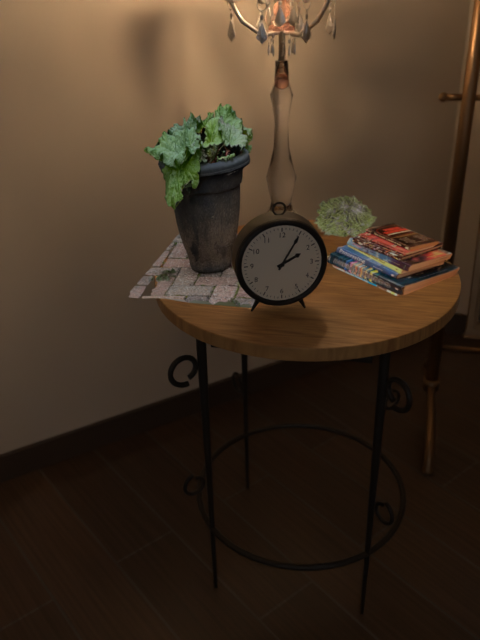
2:05
